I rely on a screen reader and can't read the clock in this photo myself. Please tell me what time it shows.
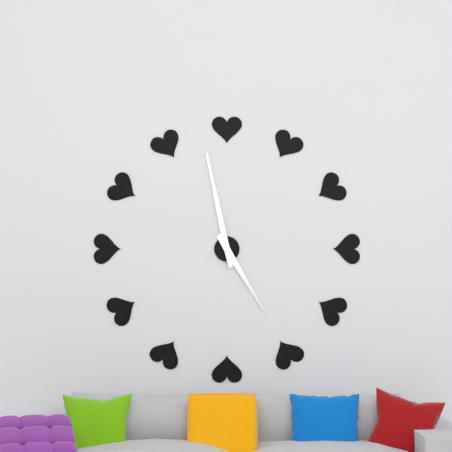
4:58
